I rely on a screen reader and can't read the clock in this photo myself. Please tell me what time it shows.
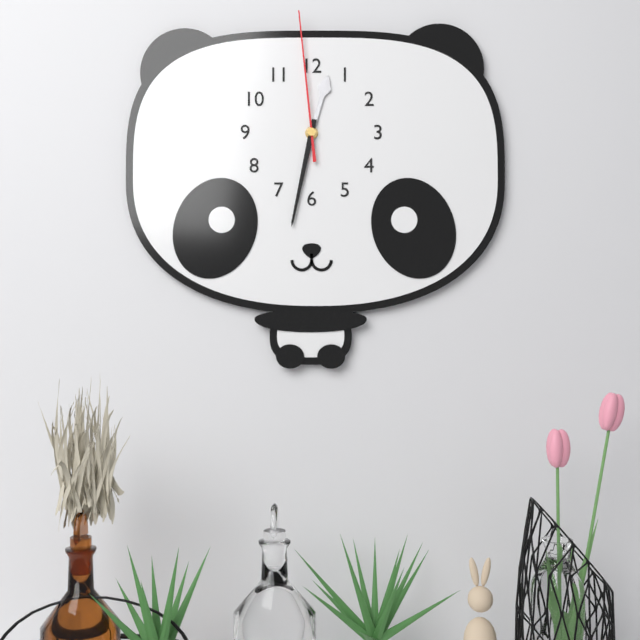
12:32:59
